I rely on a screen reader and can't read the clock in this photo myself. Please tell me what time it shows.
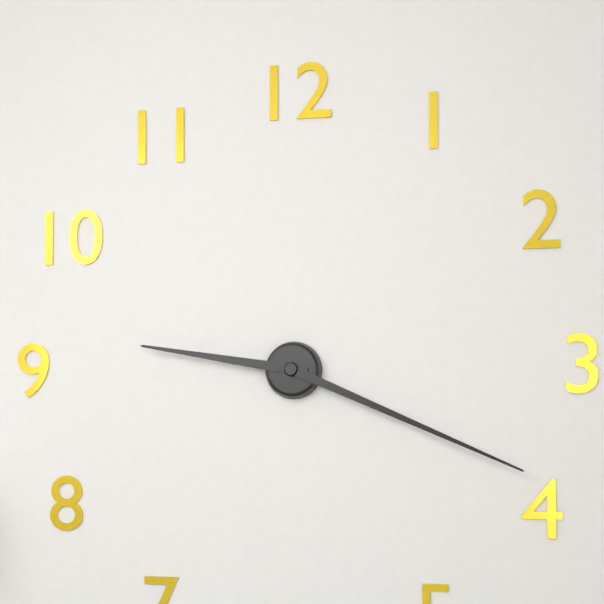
9:19
